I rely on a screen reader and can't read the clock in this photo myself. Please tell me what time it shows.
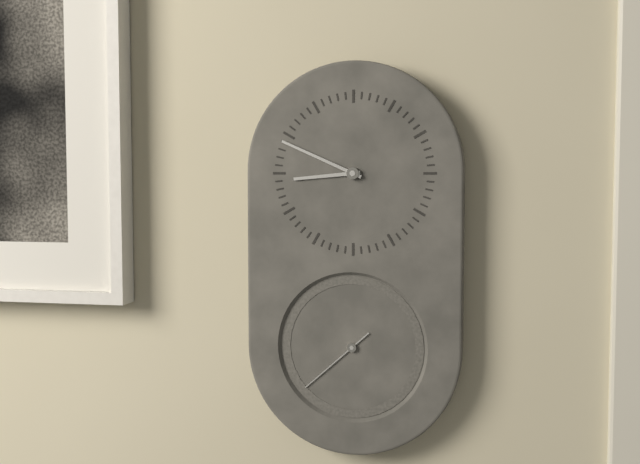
8:49:38
